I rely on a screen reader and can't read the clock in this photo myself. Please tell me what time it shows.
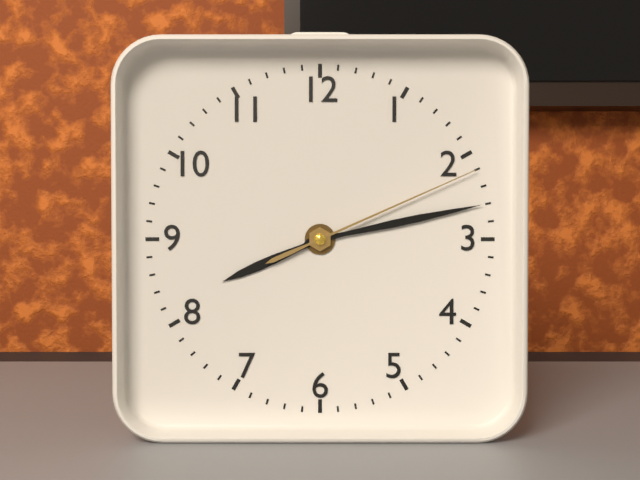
8:13:11
